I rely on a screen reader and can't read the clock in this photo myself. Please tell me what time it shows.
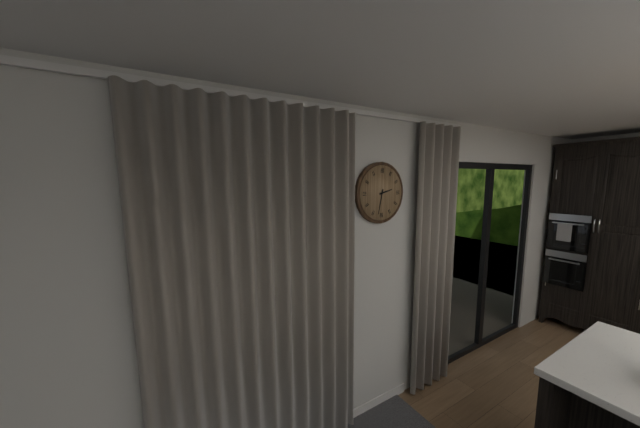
2:32
